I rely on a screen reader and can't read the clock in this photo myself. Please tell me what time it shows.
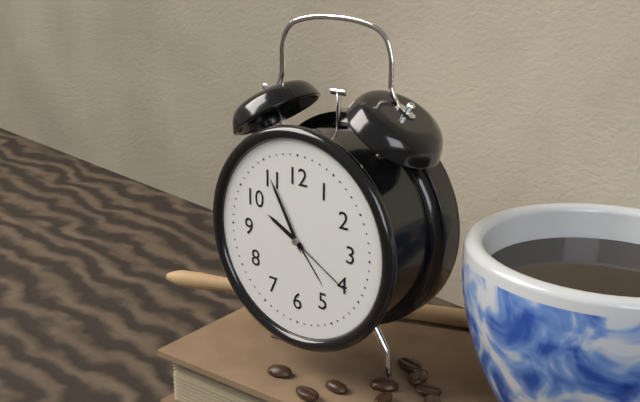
9:55:20
